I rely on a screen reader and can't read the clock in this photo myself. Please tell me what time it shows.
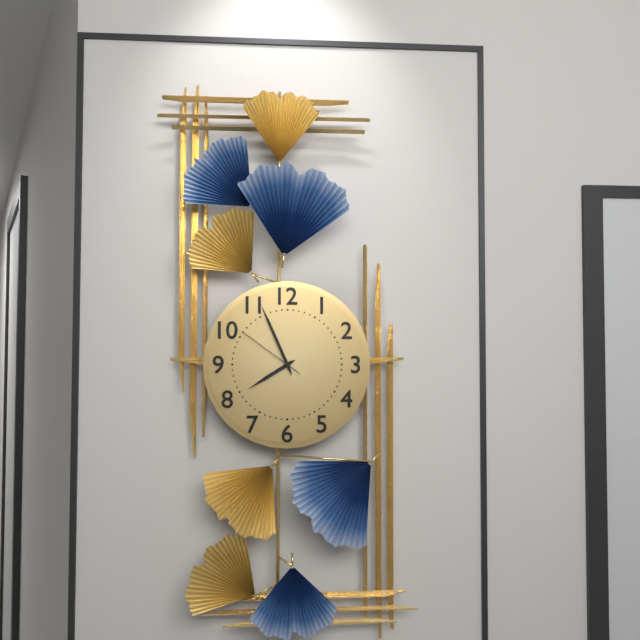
7:56:51
